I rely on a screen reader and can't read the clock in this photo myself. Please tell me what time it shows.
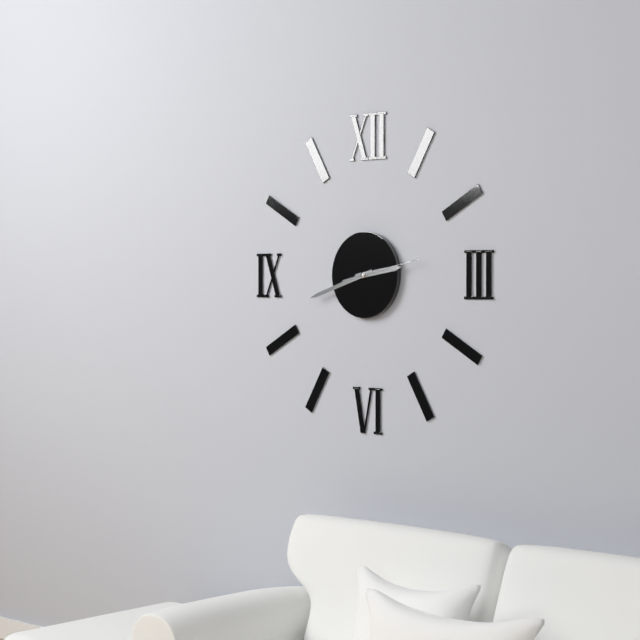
2:42:13
